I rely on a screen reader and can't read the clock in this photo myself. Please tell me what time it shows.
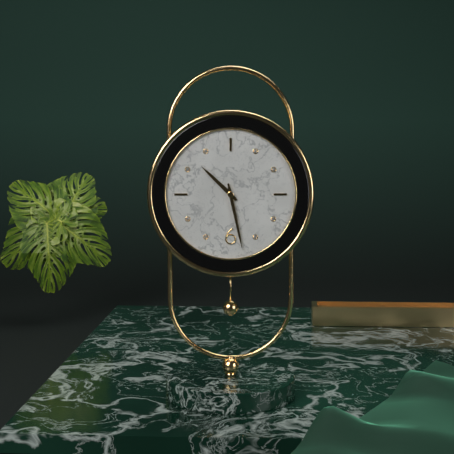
10:28
